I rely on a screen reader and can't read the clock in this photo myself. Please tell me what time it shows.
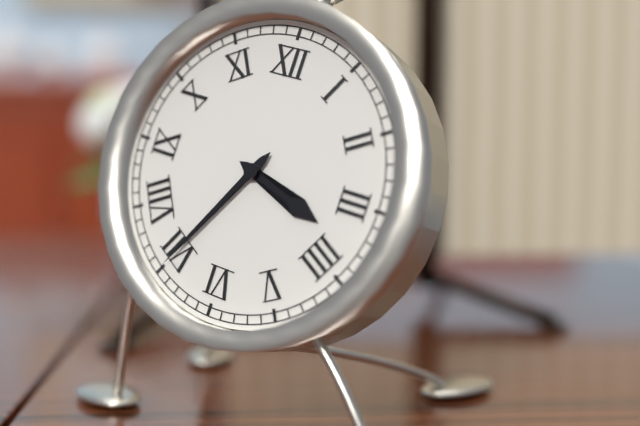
3:35
